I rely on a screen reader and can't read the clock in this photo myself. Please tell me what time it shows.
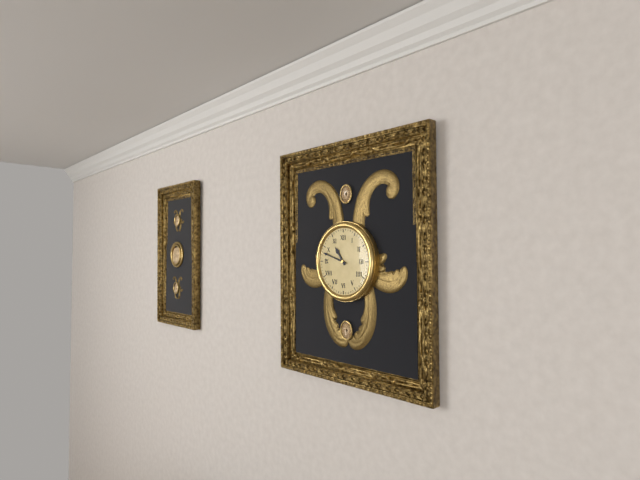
10:48
